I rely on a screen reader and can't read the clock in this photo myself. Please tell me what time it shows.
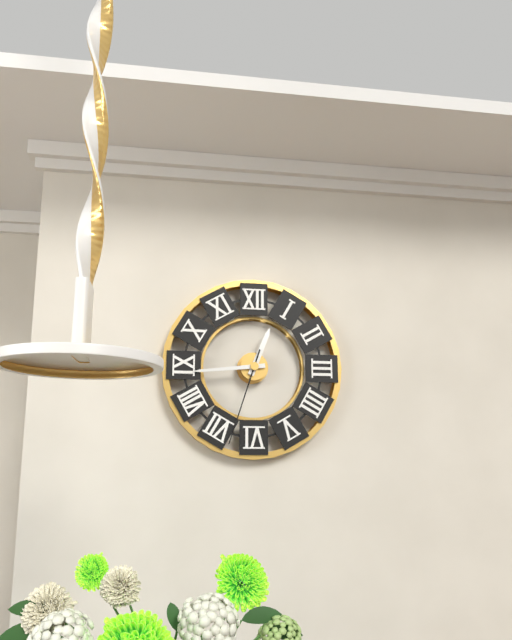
12:44:33
